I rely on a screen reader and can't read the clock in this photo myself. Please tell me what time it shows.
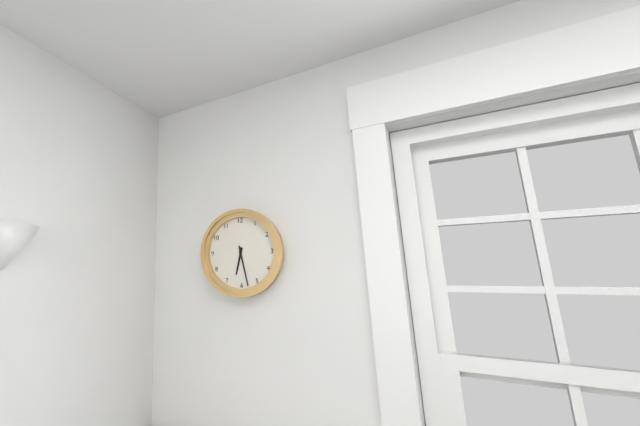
6:28
